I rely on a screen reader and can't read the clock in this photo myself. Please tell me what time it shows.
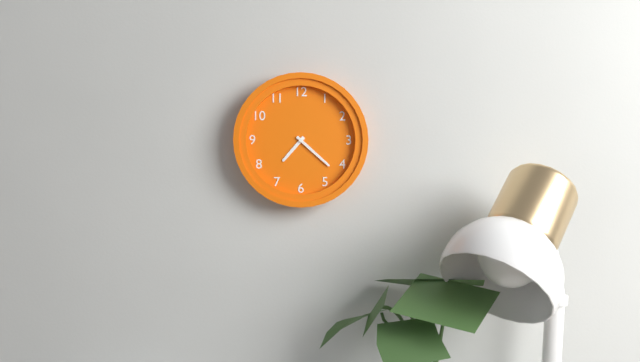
7:22
